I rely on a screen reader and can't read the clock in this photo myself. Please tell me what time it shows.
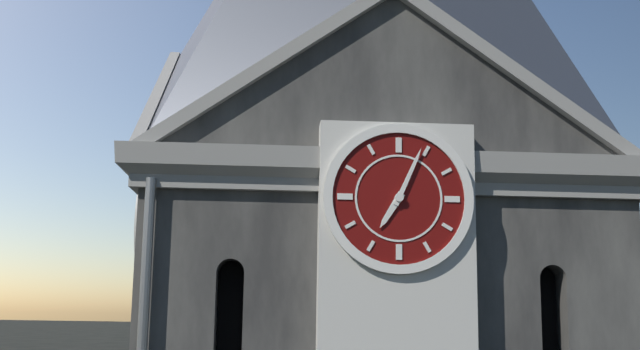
7:04
